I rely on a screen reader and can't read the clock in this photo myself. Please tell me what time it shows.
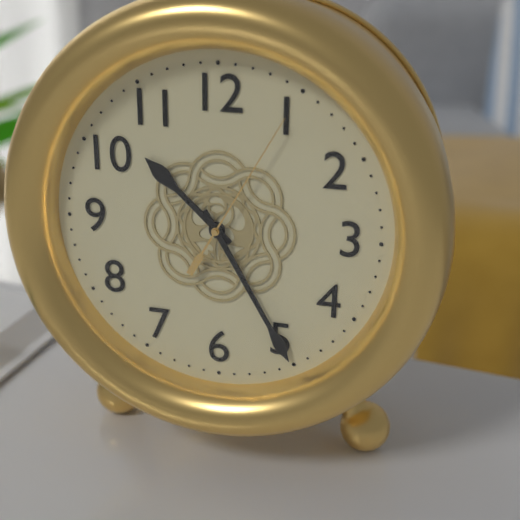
10:25:05
